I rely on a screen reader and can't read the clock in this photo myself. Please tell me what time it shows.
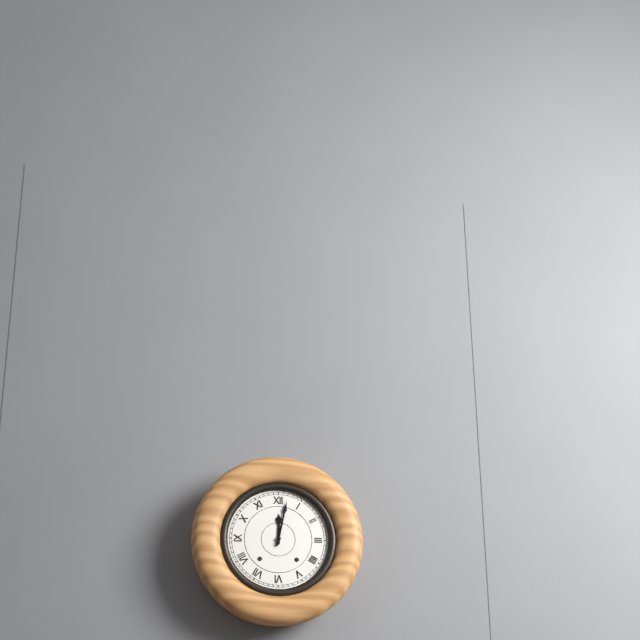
12:02
